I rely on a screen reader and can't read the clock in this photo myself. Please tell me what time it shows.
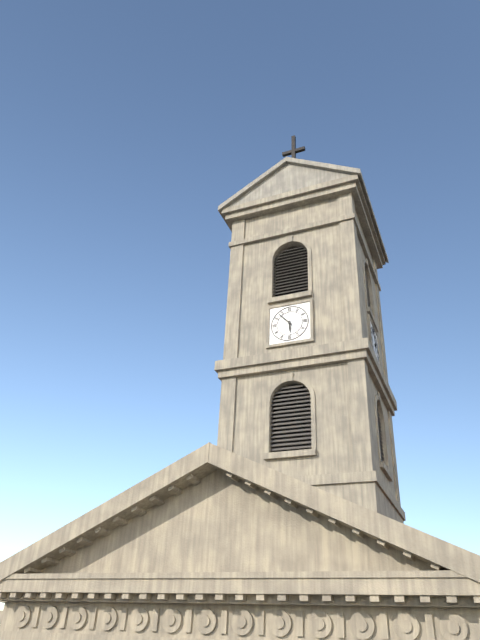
5:53
